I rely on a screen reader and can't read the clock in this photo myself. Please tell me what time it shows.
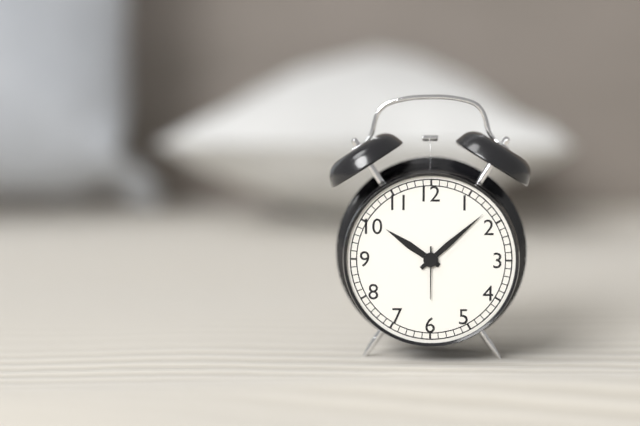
10:08
